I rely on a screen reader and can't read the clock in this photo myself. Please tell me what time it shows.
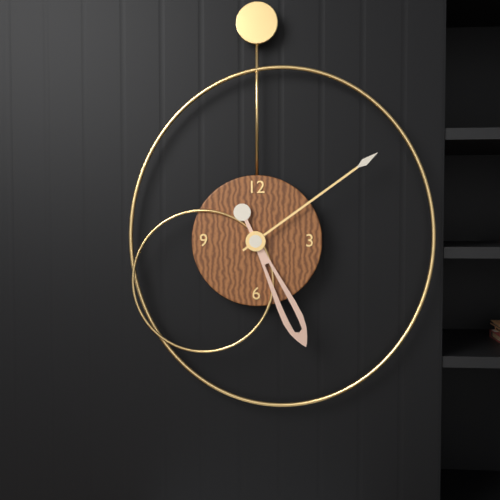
5:09
